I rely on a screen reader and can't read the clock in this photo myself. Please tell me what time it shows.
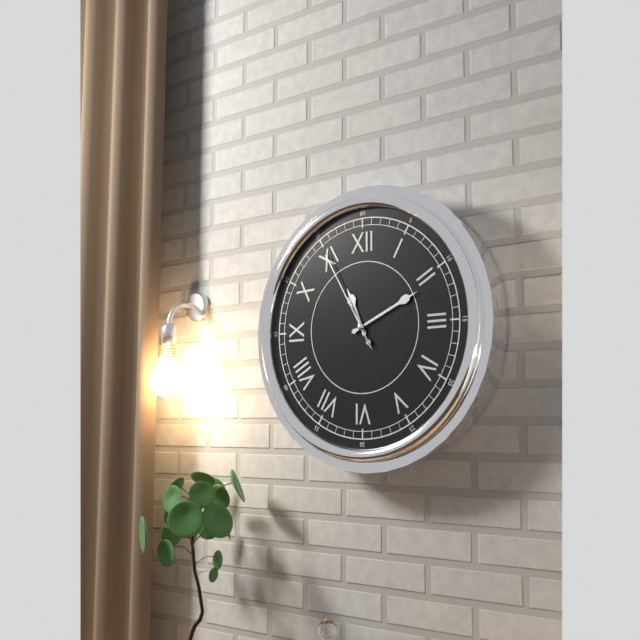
11:11:55
